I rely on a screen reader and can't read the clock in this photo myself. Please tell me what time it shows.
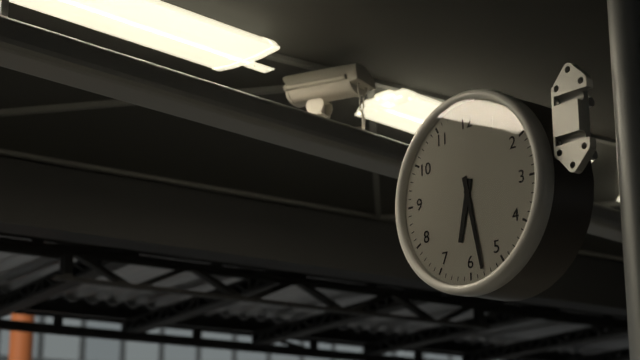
6:28
